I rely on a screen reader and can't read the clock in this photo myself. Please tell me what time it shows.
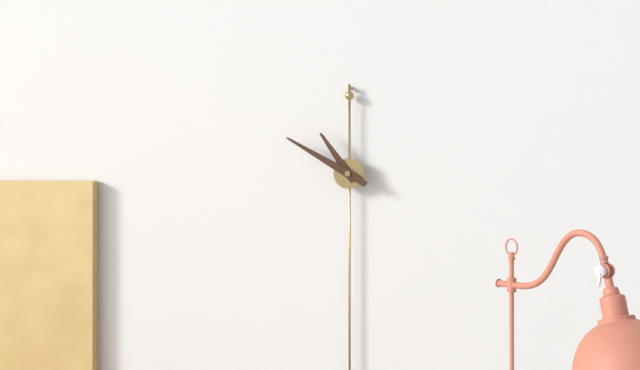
10:50
